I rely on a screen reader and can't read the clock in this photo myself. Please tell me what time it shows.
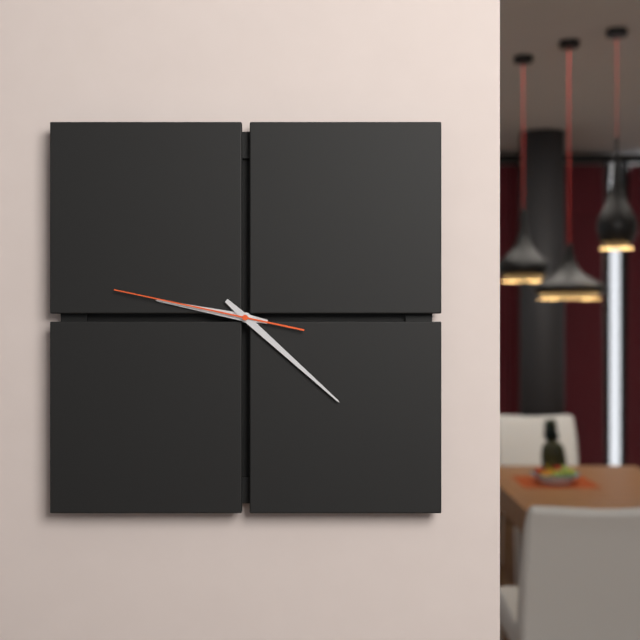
9:22:47
